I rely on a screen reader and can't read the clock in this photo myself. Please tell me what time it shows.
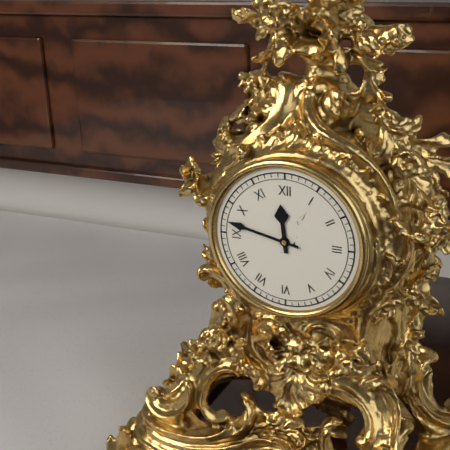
11:47
